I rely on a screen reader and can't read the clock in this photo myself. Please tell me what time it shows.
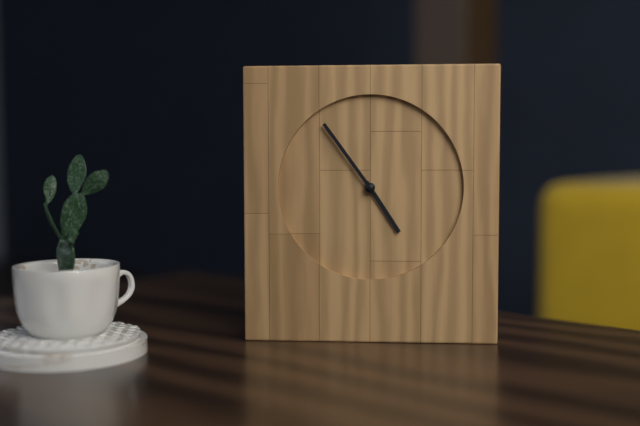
4:54
